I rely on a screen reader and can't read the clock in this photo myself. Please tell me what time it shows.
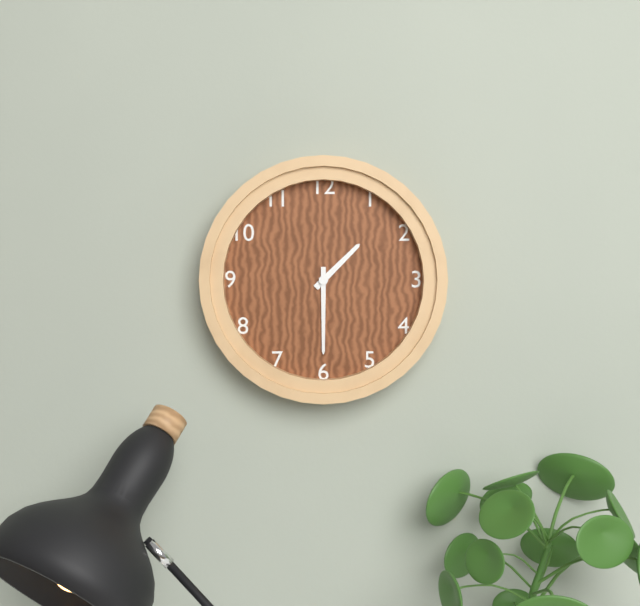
1:30
